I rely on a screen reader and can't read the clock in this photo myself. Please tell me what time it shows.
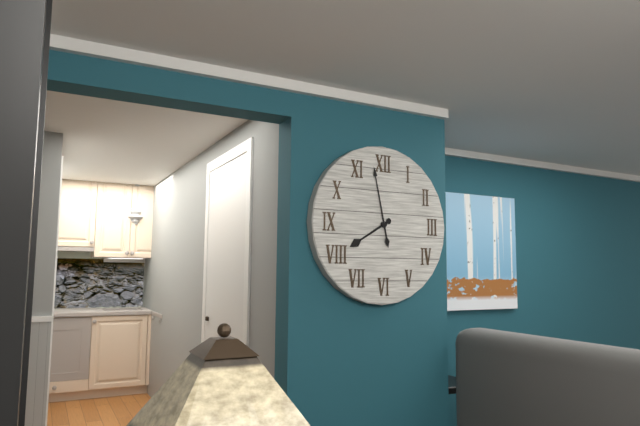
7:58
